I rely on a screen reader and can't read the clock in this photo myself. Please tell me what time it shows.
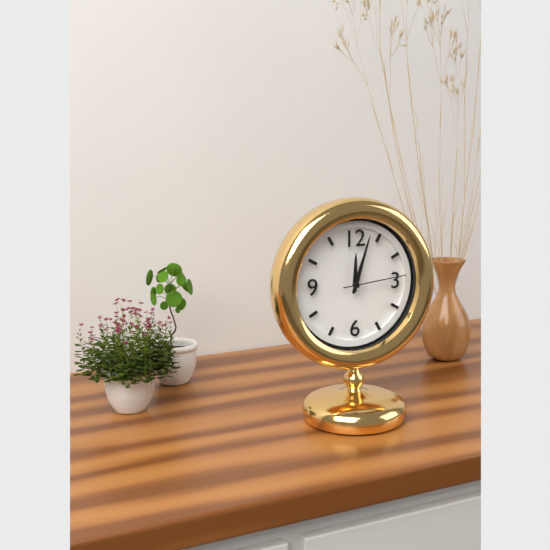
12:03:14
